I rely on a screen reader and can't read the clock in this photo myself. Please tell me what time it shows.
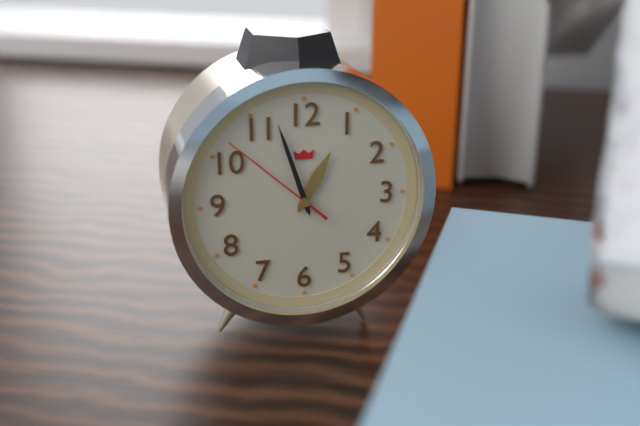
12:57:52
